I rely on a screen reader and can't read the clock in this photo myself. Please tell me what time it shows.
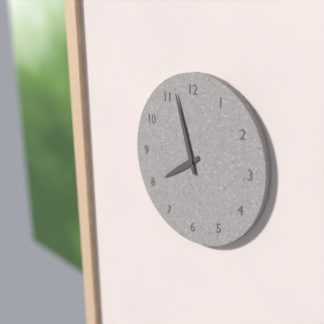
7:57
